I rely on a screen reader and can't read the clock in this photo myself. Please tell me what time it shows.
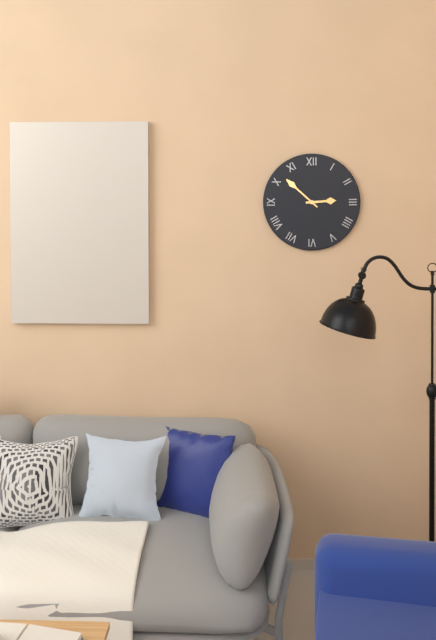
2:52
